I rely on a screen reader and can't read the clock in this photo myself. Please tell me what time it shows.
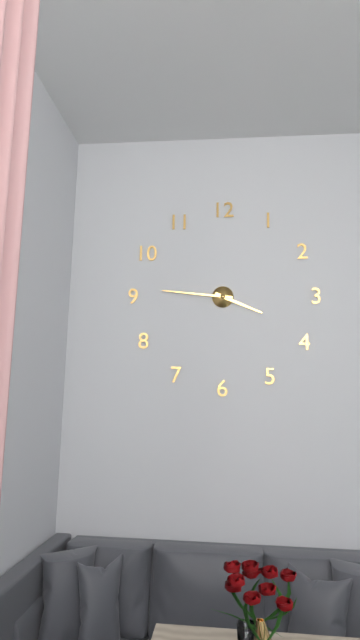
3:46
